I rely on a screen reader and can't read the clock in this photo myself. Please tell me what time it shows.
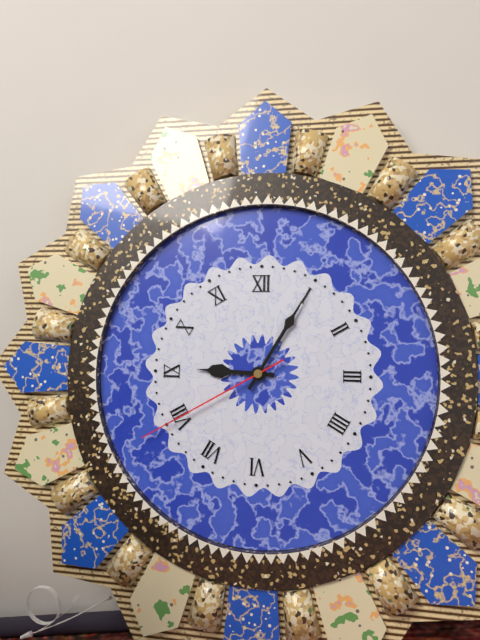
9:05:40
